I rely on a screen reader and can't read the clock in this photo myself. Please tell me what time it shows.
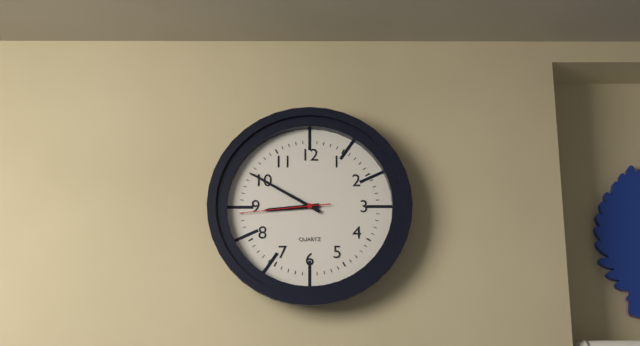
8:50:44
